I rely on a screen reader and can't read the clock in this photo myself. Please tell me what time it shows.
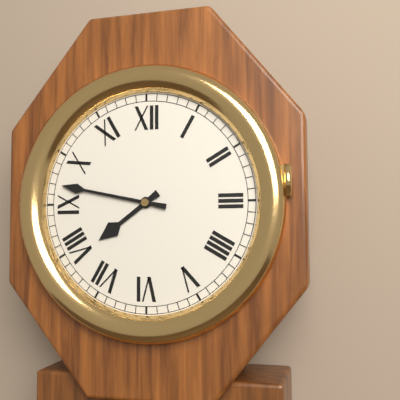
7:47
